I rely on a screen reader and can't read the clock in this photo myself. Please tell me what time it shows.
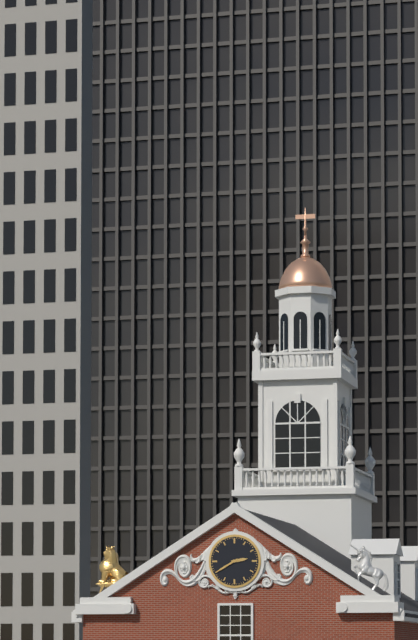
2:40
